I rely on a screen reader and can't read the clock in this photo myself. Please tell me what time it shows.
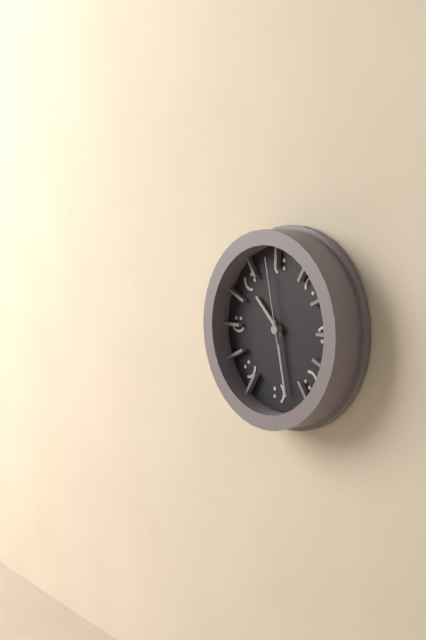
10:28:58
